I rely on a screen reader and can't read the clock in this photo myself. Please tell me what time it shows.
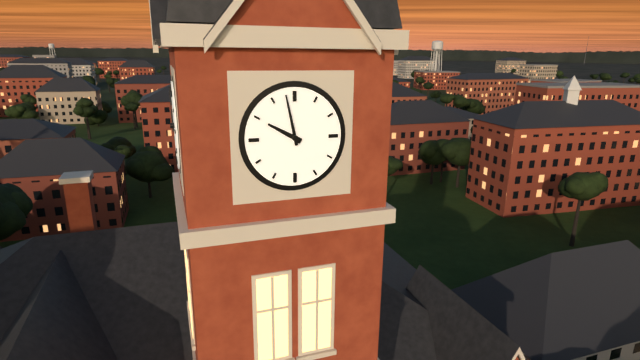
9:58
